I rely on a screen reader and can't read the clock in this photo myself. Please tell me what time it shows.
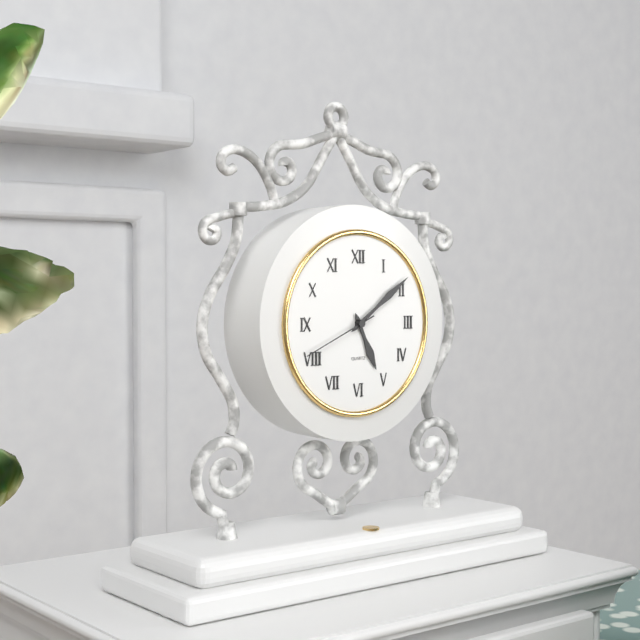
5:09:41
